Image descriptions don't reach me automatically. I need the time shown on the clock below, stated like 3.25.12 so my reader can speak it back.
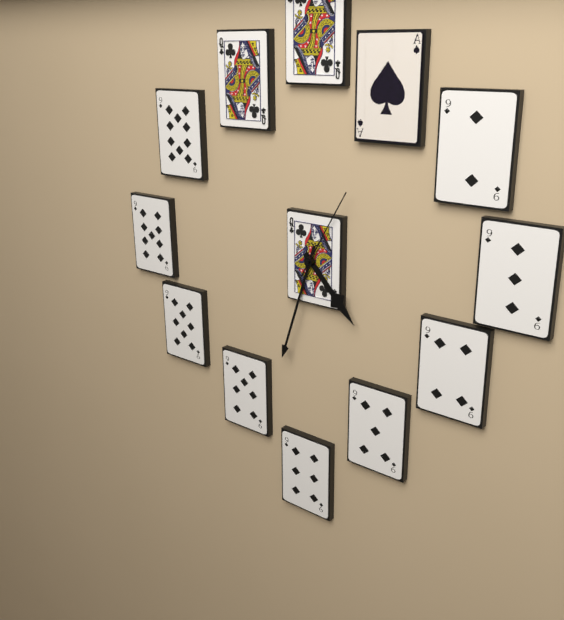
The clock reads 4.33.05
